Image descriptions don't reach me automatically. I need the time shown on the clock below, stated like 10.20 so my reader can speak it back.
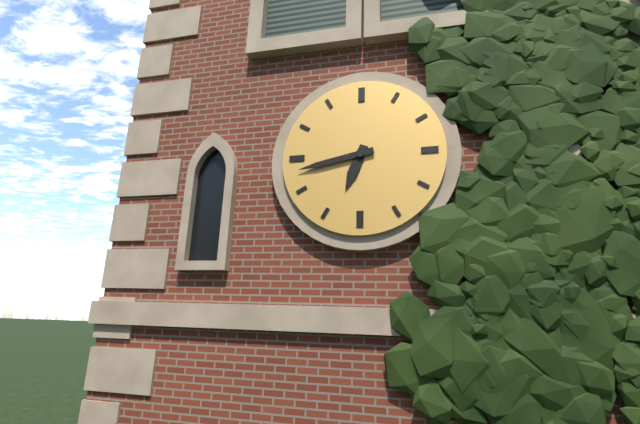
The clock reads 6.43
